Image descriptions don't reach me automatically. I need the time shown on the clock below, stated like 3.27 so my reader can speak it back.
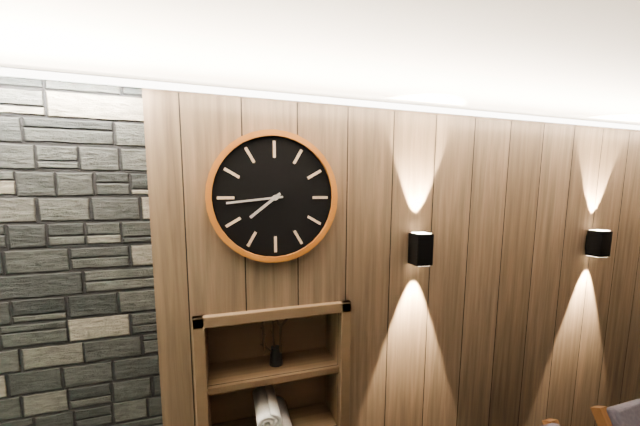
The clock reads 7.44
